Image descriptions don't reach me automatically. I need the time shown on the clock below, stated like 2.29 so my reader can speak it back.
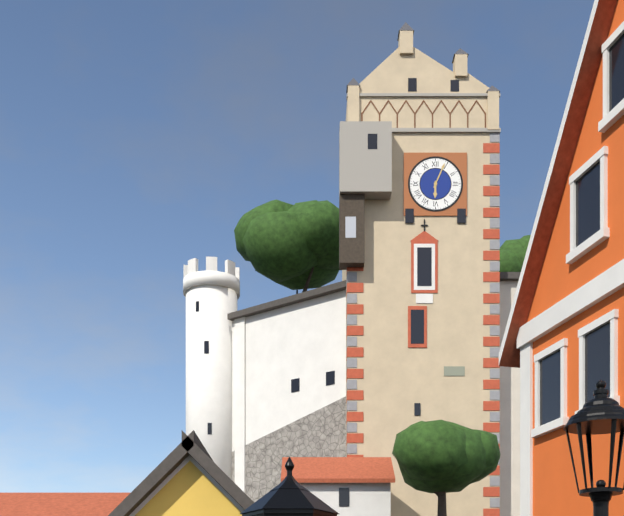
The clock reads 6.04
